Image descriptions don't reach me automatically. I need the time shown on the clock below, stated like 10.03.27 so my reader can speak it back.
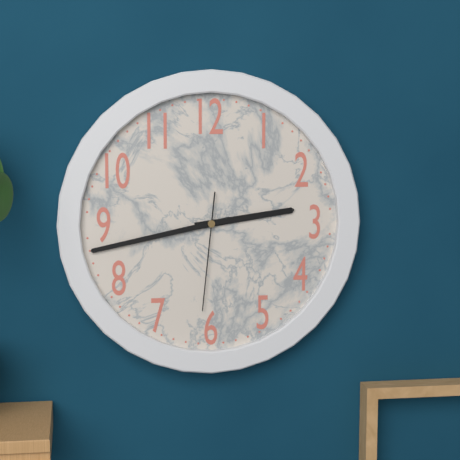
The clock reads 2.43.31
